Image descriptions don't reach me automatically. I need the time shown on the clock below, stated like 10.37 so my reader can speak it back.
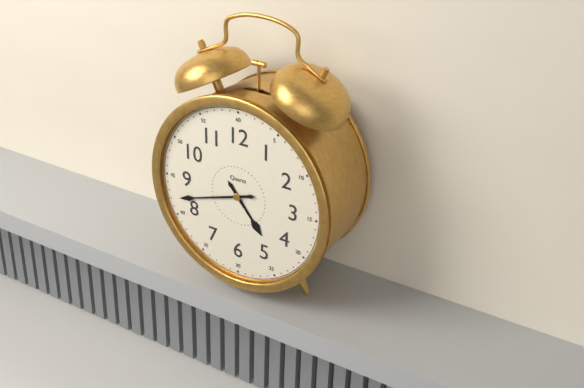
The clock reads 4.42
